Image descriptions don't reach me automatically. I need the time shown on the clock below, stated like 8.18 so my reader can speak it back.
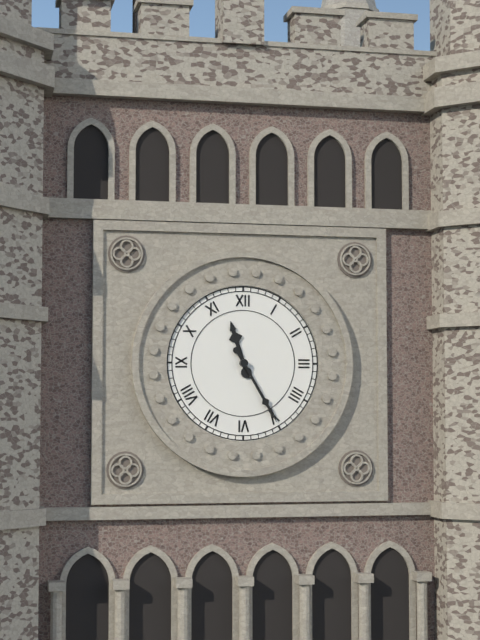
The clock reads 11.25
